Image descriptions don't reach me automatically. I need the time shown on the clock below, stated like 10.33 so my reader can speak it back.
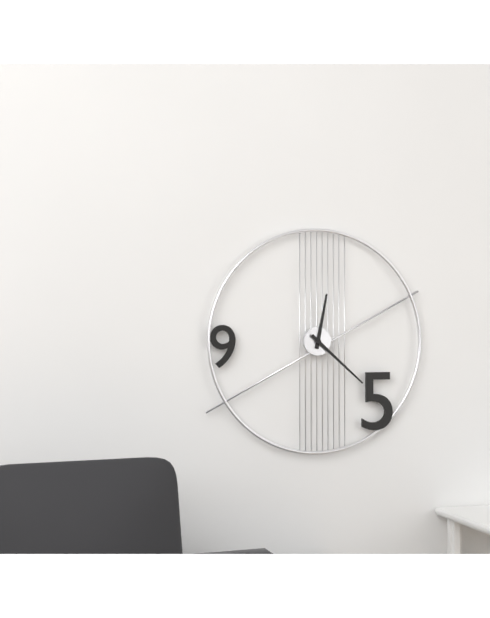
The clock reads 12.22
